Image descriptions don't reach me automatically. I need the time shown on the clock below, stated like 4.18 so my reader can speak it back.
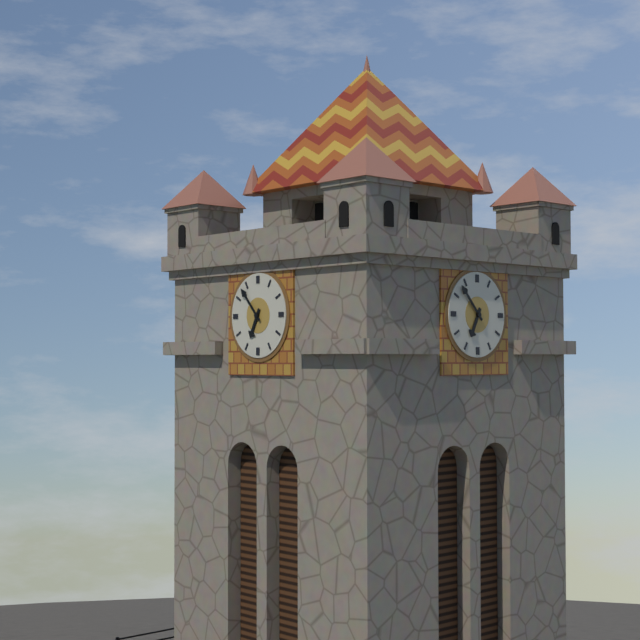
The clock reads 6.53
